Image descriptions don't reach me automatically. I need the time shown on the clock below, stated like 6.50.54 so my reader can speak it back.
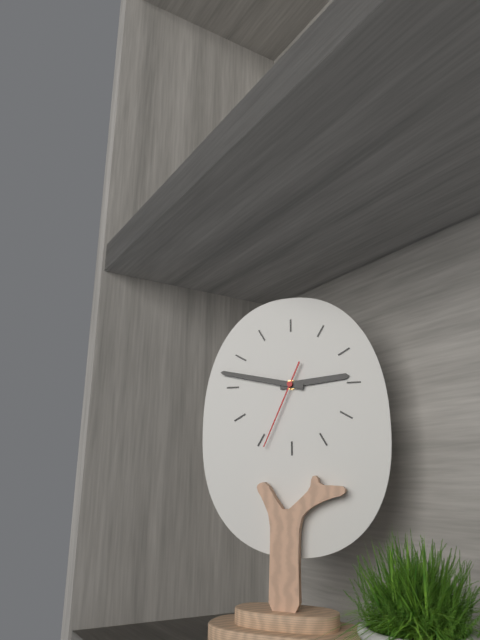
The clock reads 2.47.34
